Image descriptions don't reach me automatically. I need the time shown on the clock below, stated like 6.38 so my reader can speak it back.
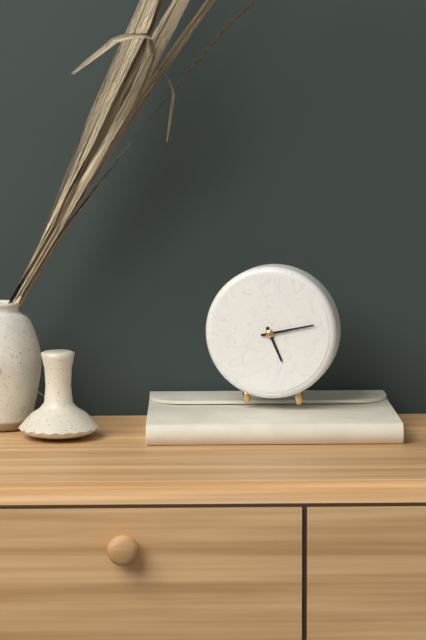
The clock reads 5.13
